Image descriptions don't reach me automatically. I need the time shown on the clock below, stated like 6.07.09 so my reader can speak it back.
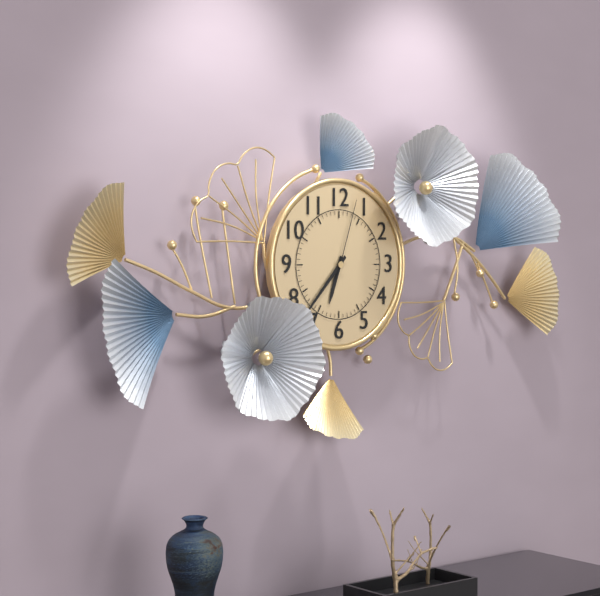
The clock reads 6.37.03
